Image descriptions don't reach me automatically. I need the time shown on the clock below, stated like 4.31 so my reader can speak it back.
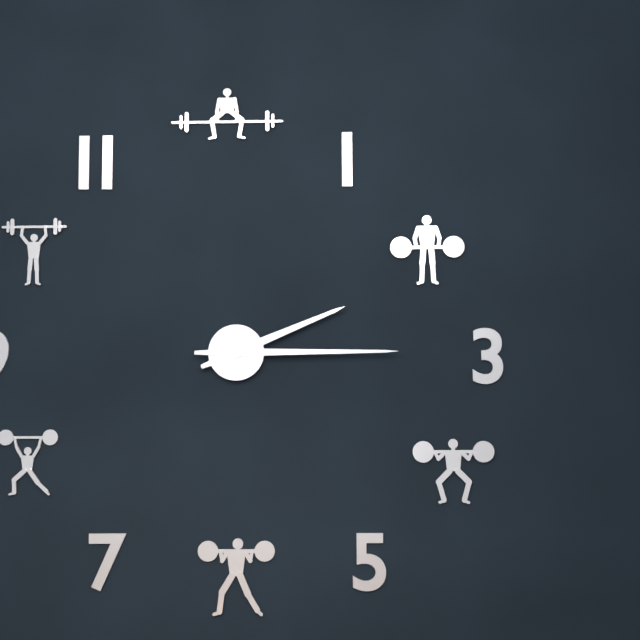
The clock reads 2.15
